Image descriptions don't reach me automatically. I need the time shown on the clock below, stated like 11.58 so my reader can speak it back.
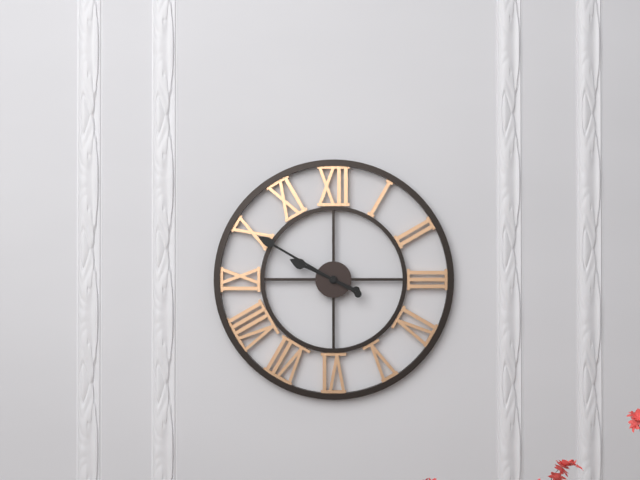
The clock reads 9.50
